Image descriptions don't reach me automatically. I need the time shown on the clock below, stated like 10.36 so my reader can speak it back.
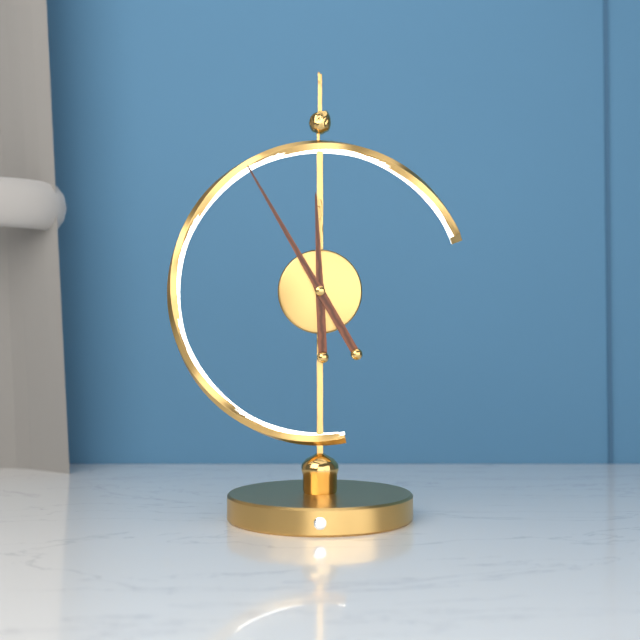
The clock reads 11.55
